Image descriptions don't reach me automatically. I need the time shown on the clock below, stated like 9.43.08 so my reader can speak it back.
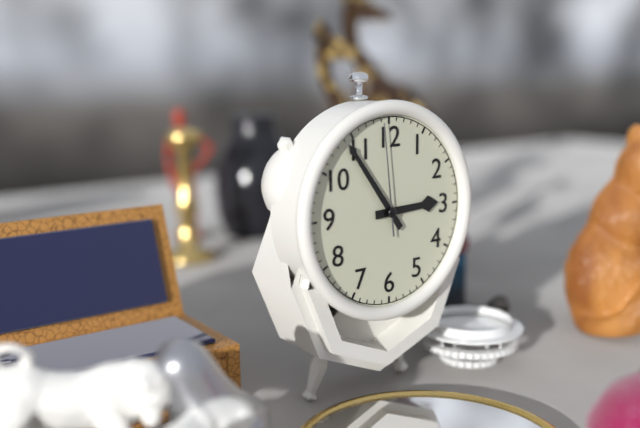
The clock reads 2.54.59
